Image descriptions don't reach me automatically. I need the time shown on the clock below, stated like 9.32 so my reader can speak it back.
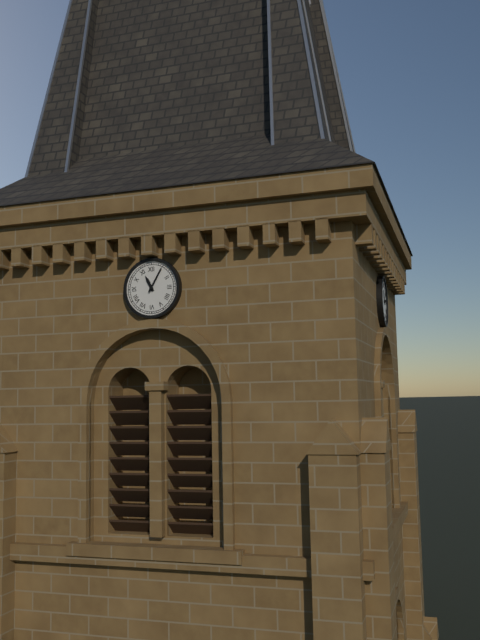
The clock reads 11.05
